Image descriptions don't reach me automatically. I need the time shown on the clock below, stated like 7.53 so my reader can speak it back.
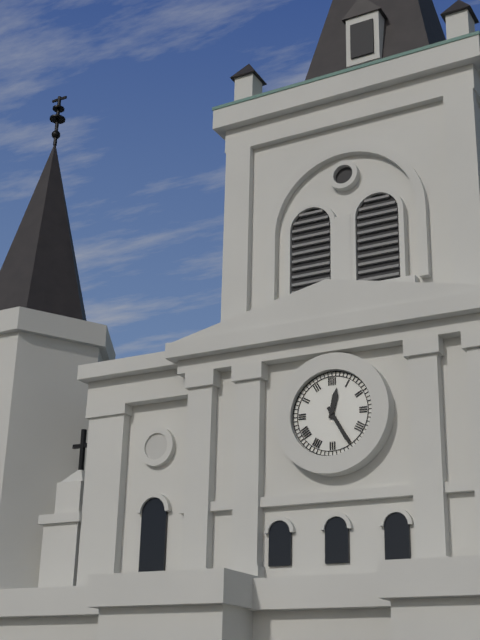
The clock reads 12.25
